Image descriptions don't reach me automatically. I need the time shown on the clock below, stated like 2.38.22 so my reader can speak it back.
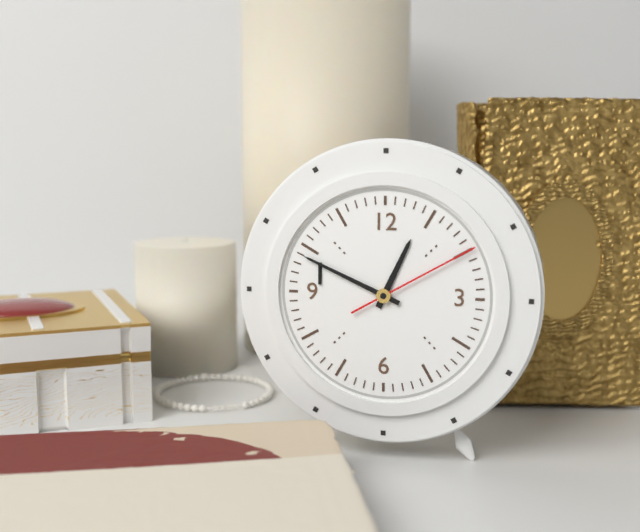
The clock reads 12.49.10
